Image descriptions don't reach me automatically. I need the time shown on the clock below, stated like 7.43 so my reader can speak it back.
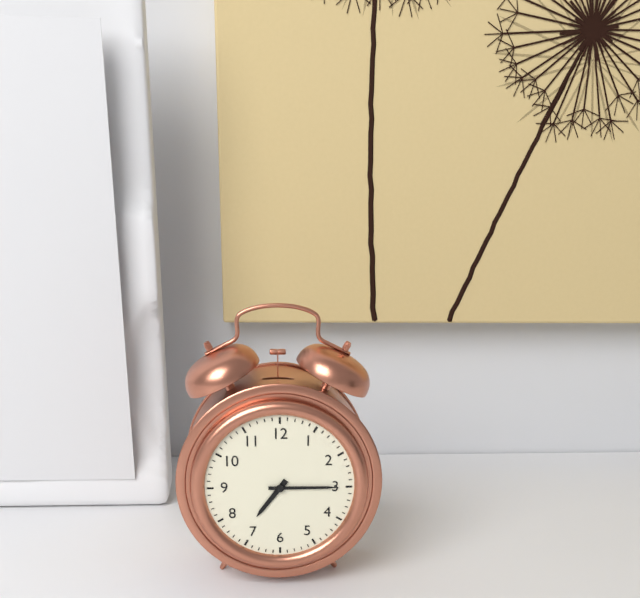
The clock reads 7.15
